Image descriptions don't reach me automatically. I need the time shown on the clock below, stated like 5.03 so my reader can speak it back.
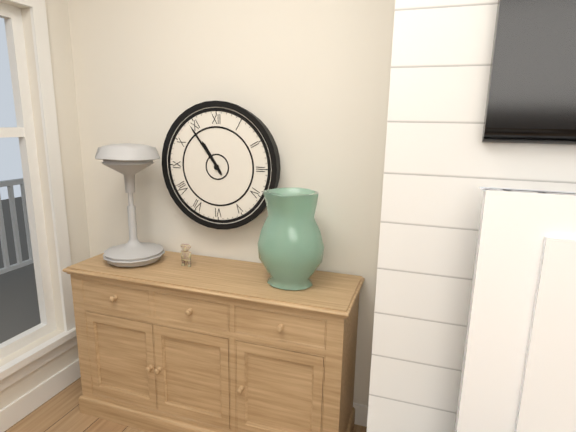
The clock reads 10.54
